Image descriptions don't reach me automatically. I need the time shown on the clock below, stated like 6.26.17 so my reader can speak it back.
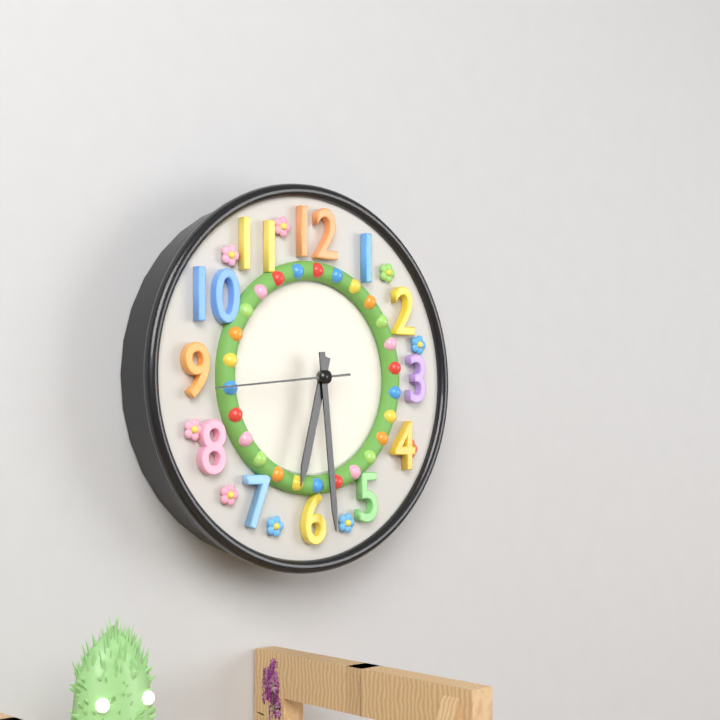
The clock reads 6.29.44
